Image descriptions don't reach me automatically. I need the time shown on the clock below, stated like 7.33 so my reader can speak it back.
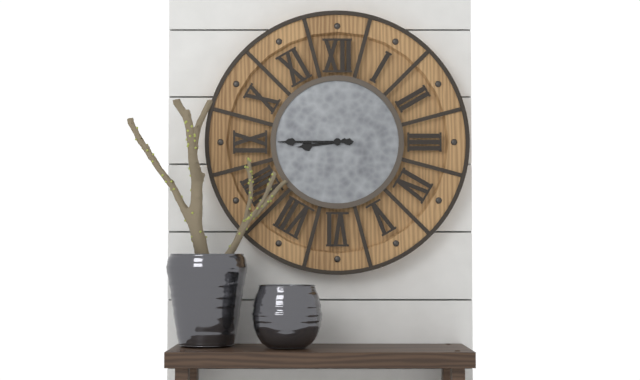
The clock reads 8.45
